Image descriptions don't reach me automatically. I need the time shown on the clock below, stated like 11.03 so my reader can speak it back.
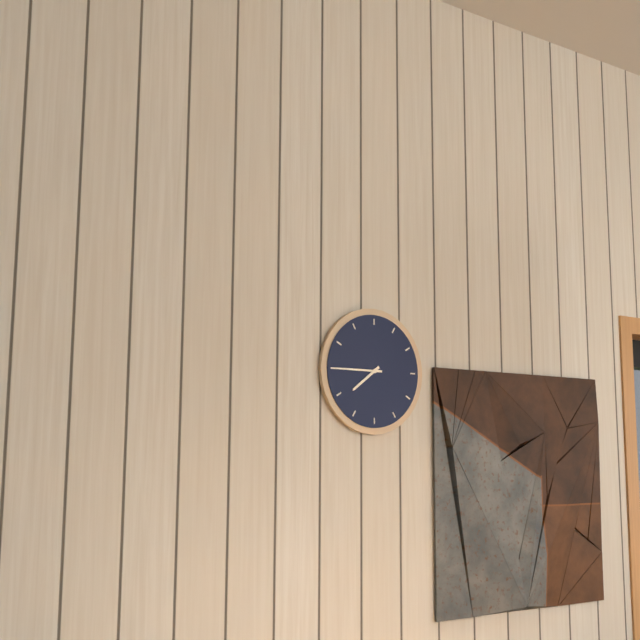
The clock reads 7.45
